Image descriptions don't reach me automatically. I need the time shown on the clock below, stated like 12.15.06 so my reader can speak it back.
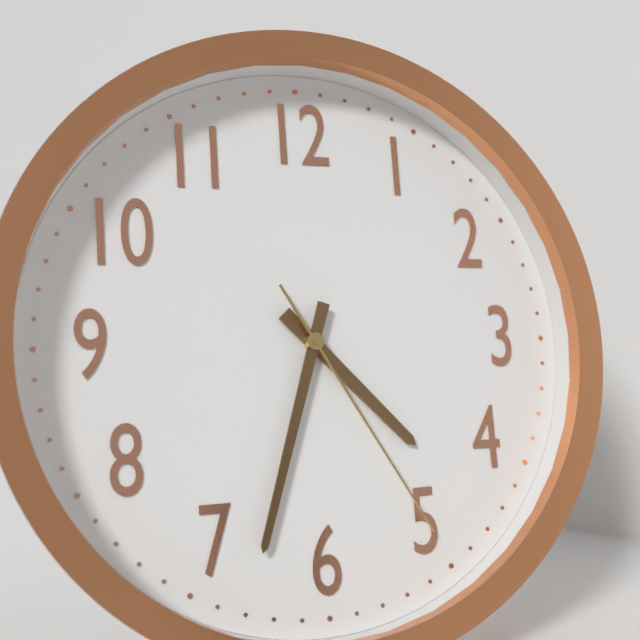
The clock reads 4.33.25
